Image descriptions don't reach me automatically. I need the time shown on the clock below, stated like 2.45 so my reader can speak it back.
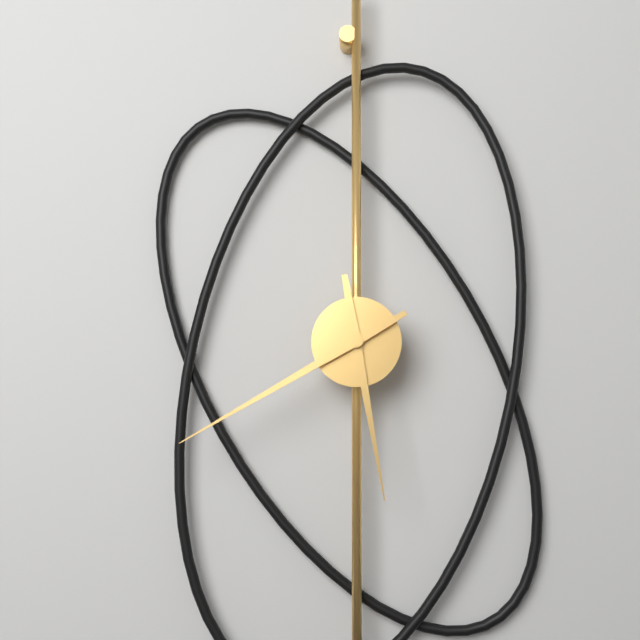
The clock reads 5.40
